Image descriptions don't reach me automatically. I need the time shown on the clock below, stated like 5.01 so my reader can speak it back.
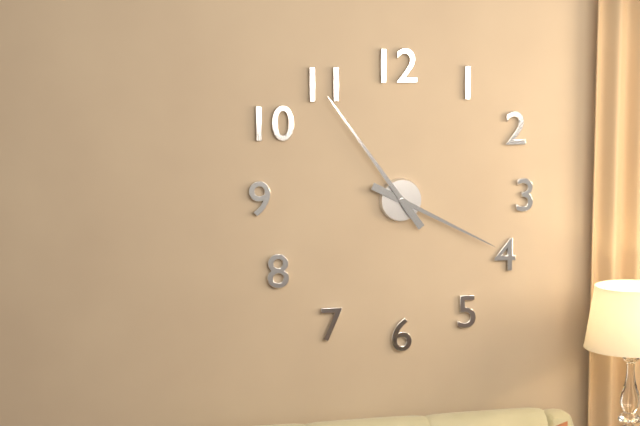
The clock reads 3.54
